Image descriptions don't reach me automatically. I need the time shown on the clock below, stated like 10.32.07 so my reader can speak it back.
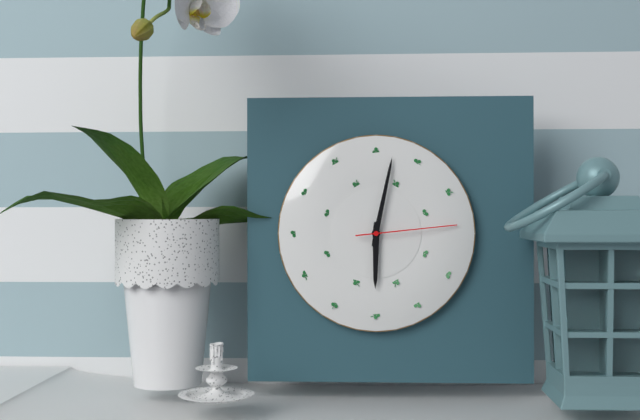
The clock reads 6.02.14
